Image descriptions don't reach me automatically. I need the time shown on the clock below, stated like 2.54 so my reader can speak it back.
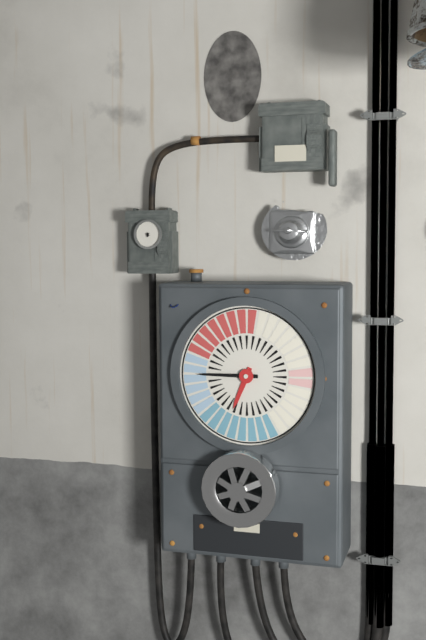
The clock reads 6.45
